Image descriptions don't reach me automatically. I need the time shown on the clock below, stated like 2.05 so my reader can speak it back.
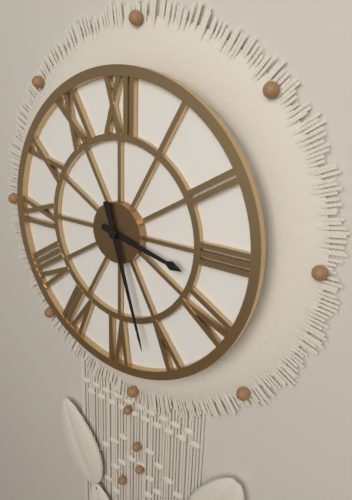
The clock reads 3.27
